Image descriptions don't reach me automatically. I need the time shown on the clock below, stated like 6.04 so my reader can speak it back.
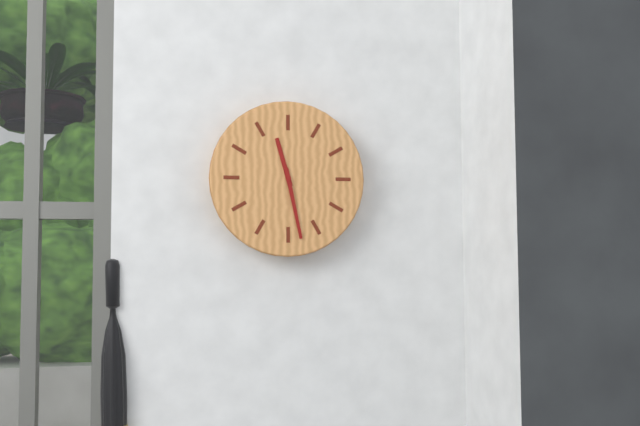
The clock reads 11.28
